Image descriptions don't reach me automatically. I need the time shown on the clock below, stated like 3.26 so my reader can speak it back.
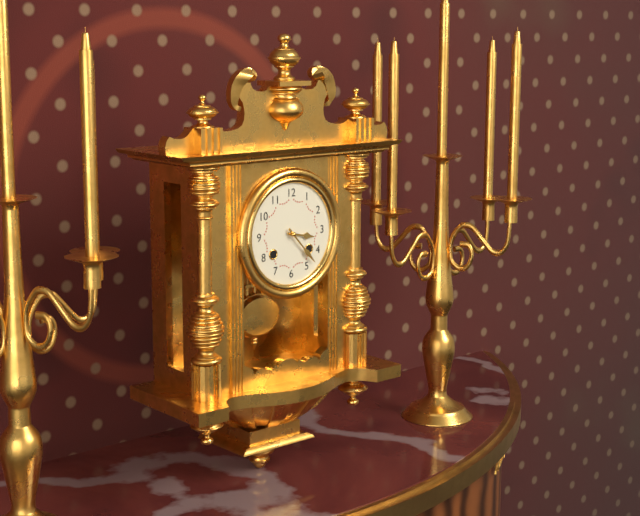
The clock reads 3.23
